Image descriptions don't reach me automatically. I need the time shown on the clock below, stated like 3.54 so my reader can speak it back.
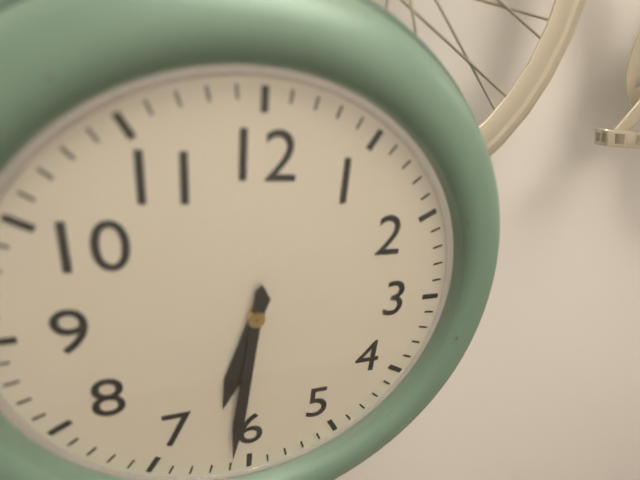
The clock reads 6.31
